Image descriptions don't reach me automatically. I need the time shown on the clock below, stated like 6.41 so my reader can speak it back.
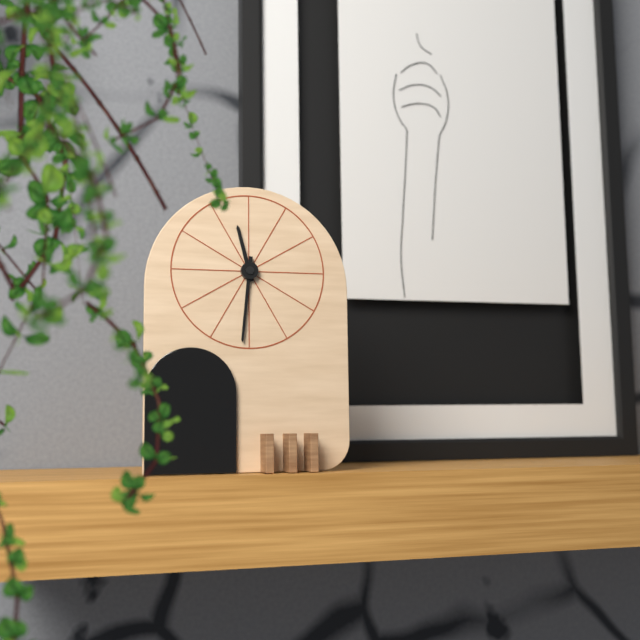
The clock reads 11.31
